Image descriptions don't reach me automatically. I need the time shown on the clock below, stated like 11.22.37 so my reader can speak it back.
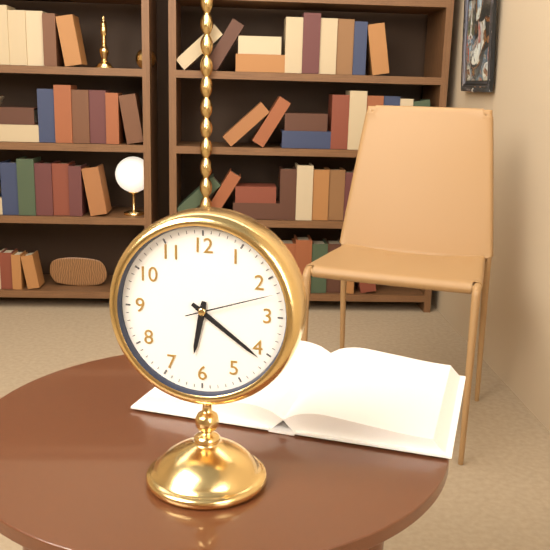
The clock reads 6.21.12
